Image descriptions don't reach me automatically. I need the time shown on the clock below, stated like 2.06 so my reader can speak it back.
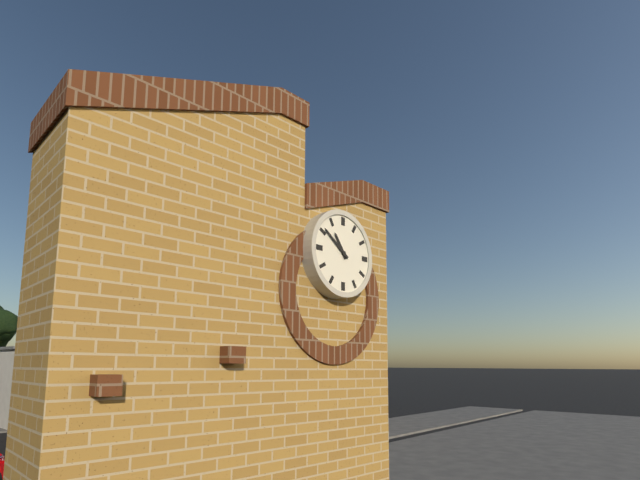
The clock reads 10.51
